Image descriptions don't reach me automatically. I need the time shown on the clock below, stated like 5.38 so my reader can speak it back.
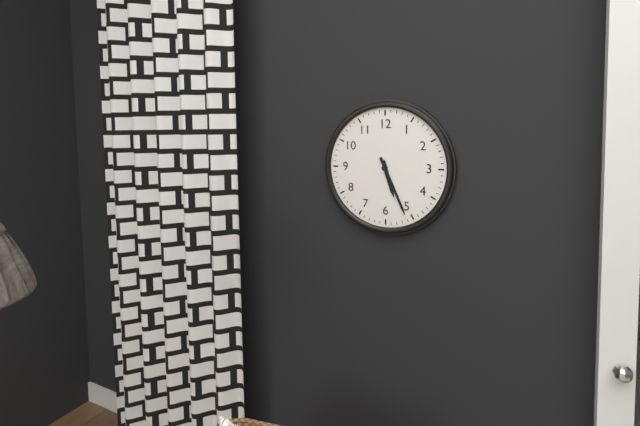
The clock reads 5.26
